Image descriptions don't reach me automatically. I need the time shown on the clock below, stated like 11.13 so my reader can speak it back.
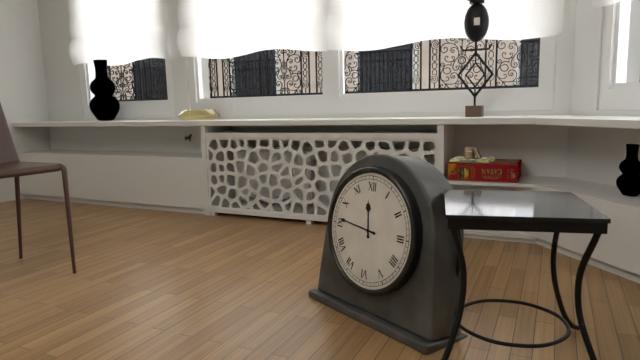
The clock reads 11.46
